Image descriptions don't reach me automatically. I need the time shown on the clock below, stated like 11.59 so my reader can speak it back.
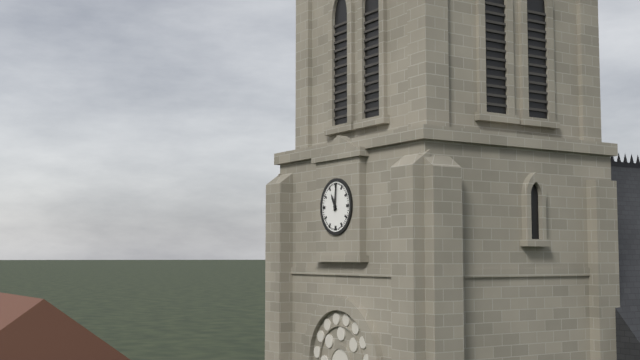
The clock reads 11.01
